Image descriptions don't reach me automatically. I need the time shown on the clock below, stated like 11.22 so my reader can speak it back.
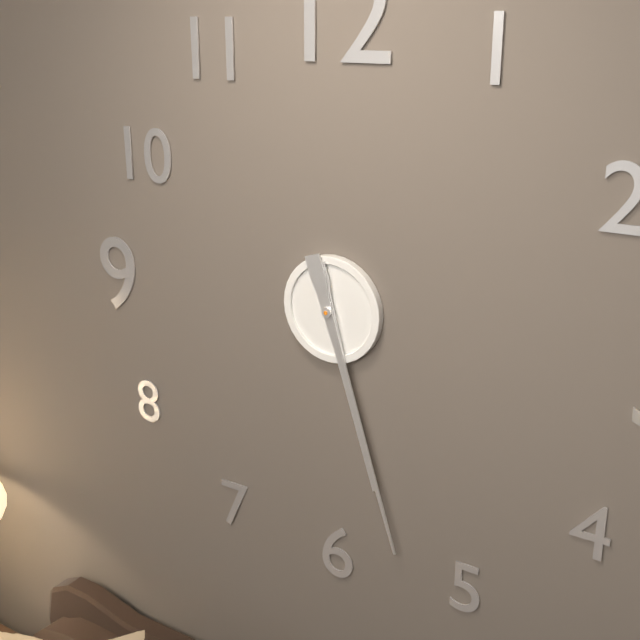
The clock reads 5.27
